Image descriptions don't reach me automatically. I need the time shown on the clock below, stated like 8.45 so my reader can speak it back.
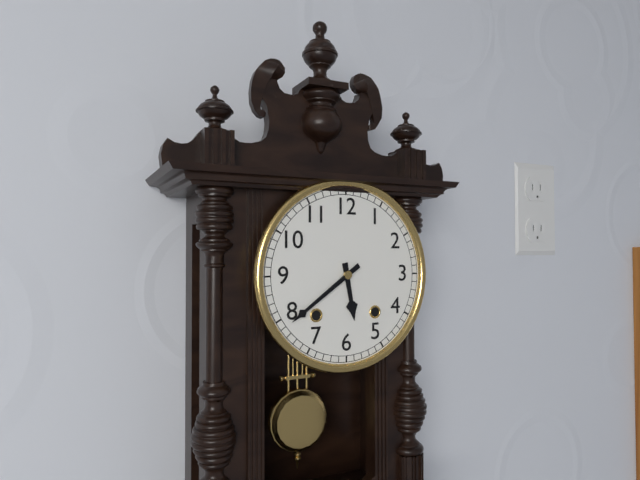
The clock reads 5.39
